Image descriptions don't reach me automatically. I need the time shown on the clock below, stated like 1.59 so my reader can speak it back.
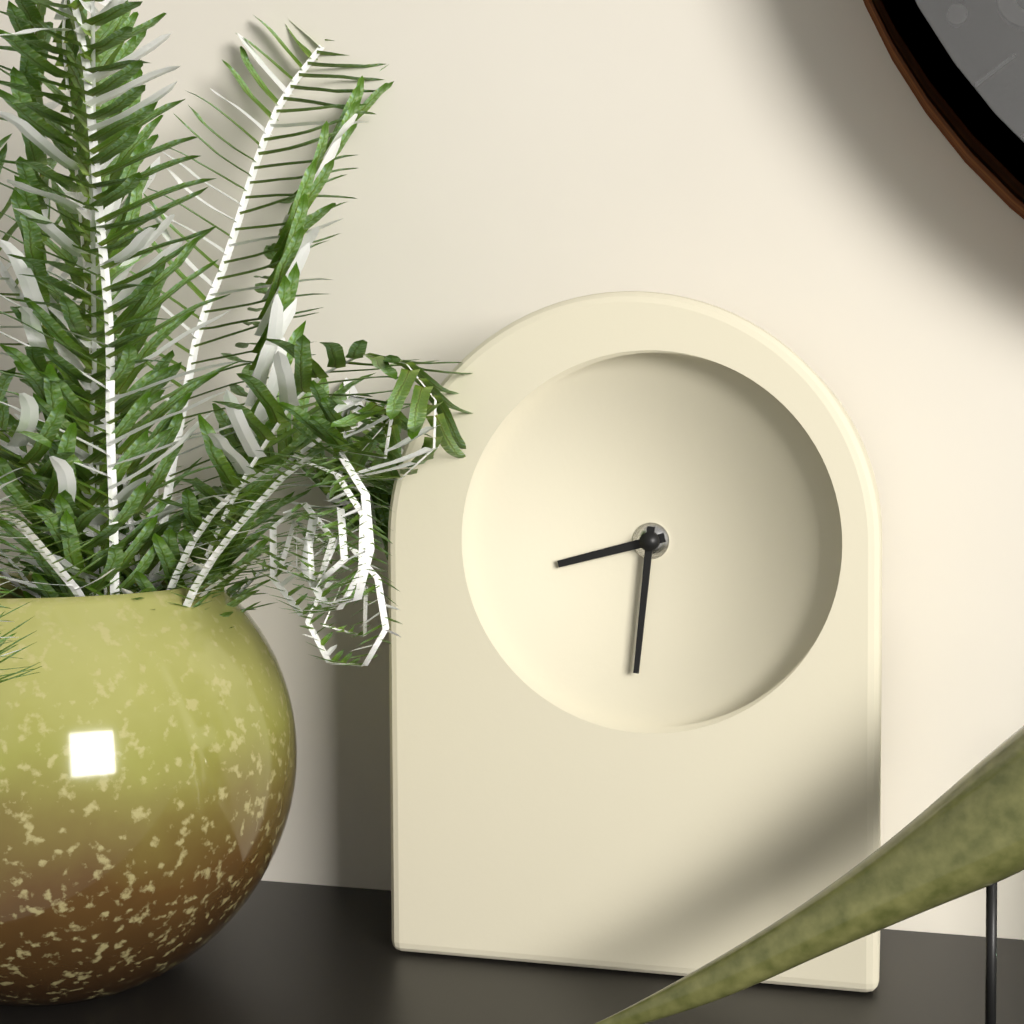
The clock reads 8.31
